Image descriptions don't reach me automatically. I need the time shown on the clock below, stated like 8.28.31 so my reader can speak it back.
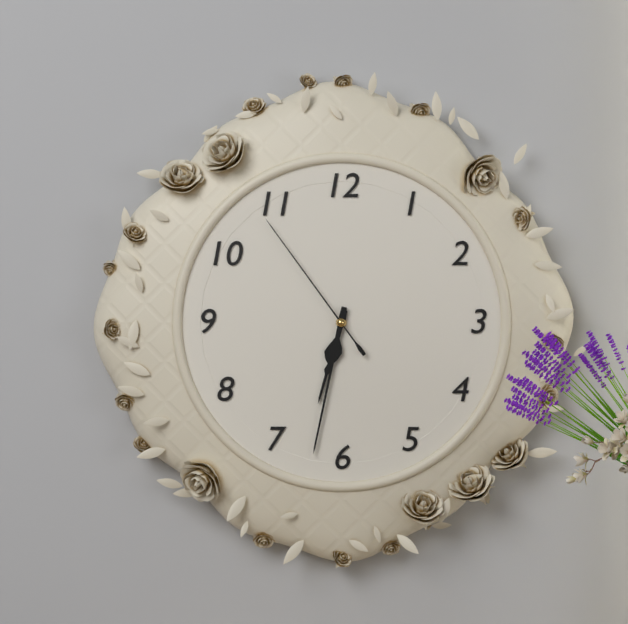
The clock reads 6.32.54
